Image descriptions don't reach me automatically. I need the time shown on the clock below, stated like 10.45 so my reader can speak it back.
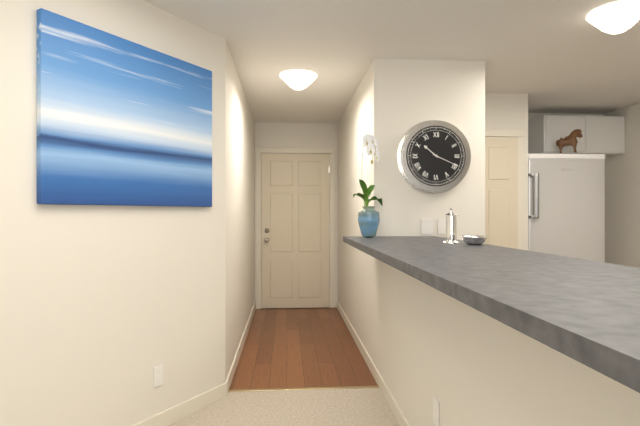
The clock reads 10.19
